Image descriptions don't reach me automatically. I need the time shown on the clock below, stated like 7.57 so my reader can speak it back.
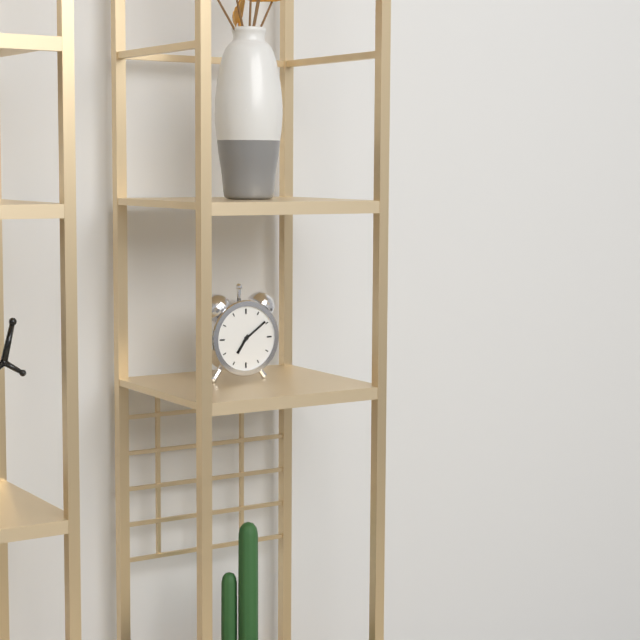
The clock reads 7.09
